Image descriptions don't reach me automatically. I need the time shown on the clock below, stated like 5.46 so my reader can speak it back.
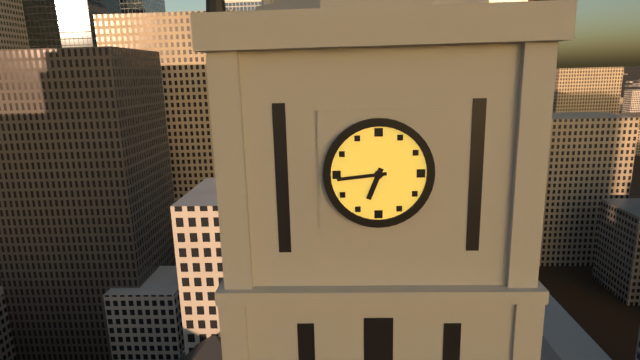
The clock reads 6.44
